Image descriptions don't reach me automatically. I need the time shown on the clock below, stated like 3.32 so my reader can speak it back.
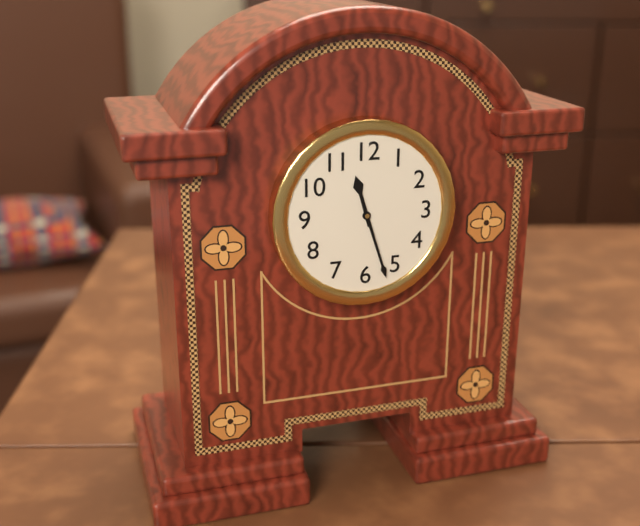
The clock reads 11.27
